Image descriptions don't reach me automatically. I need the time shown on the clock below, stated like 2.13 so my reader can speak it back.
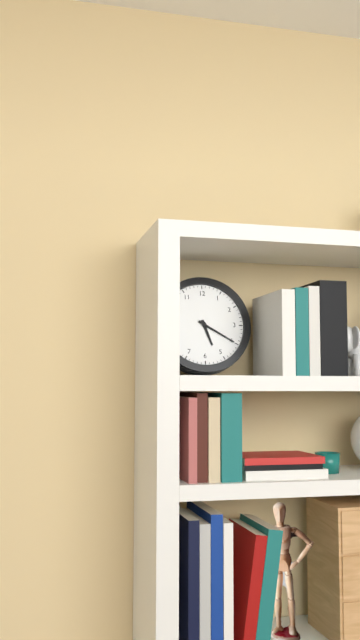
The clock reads 5.20
